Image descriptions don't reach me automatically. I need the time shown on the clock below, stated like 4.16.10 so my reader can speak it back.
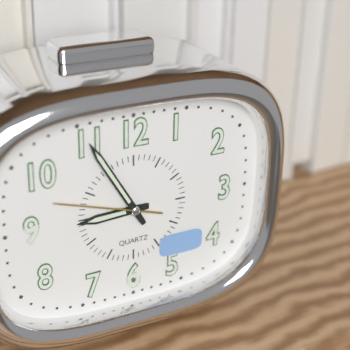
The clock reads 8.55.48
